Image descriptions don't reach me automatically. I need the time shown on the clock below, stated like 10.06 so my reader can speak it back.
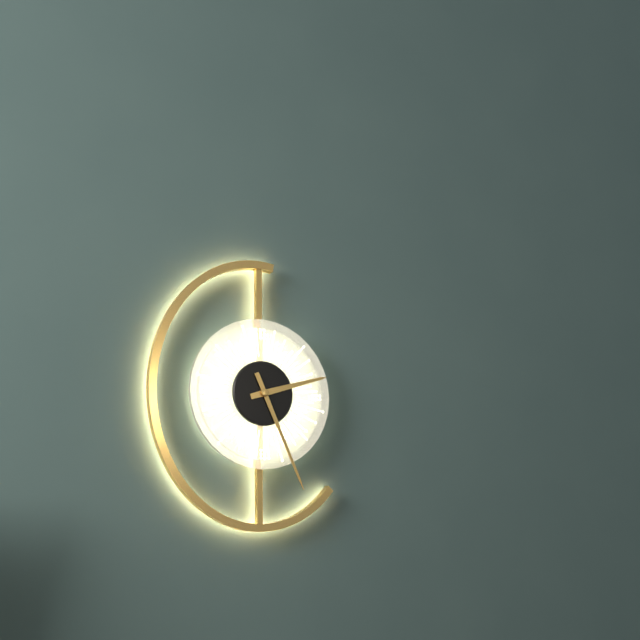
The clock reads 2.26
